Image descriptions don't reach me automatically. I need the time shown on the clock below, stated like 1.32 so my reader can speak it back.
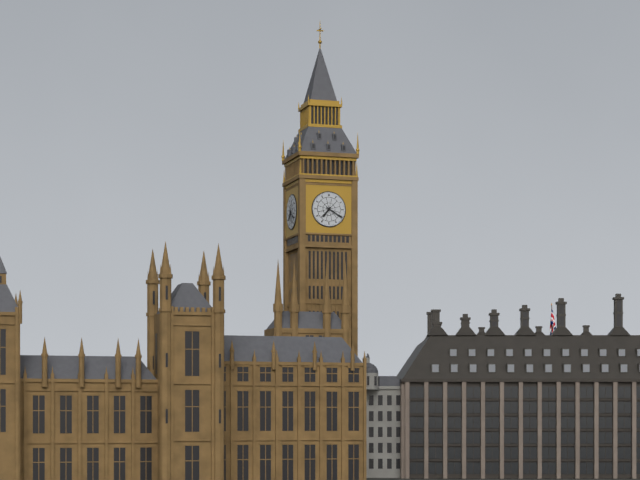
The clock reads 7.20
